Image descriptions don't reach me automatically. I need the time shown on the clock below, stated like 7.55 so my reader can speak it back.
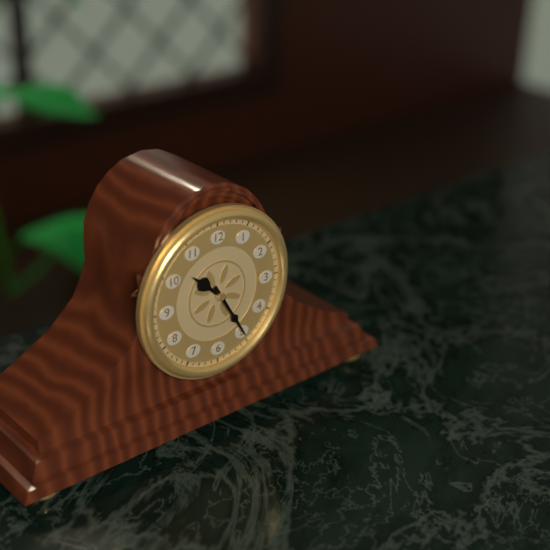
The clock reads 10.25
